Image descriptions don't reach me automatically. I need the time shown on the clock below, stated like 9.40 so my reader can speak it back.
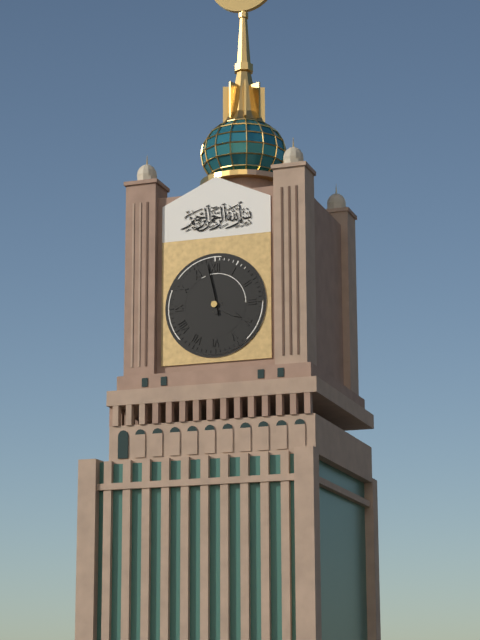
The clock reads 3.58
